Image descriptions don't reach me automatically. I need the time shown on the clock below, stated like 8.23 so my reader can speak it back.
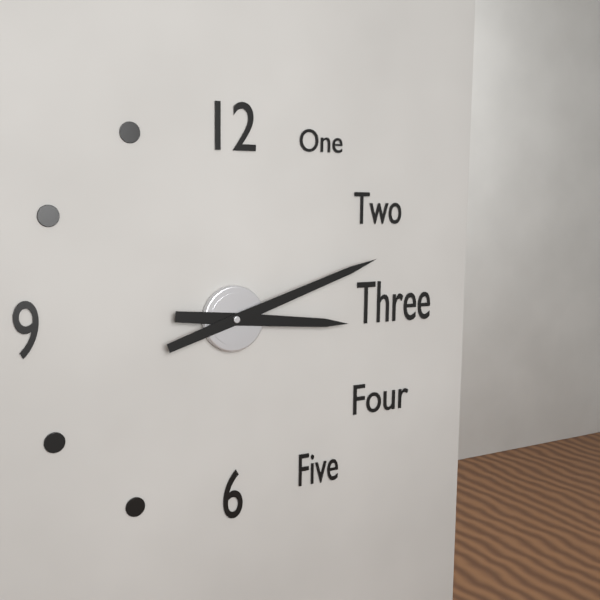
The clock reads 3.12
